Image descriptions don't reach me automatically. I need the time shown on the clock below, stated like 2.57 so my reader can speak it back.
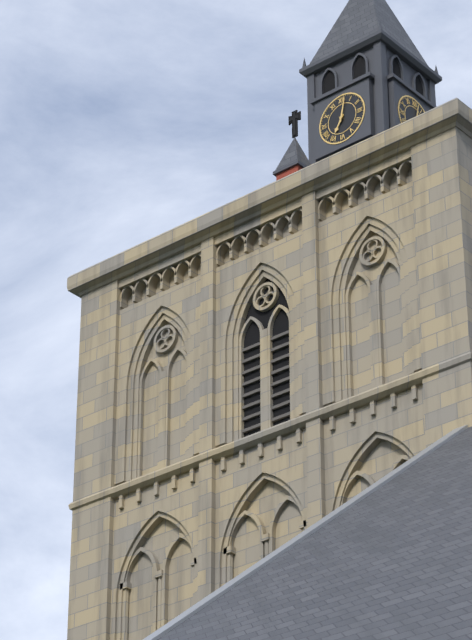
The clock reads 7.02
